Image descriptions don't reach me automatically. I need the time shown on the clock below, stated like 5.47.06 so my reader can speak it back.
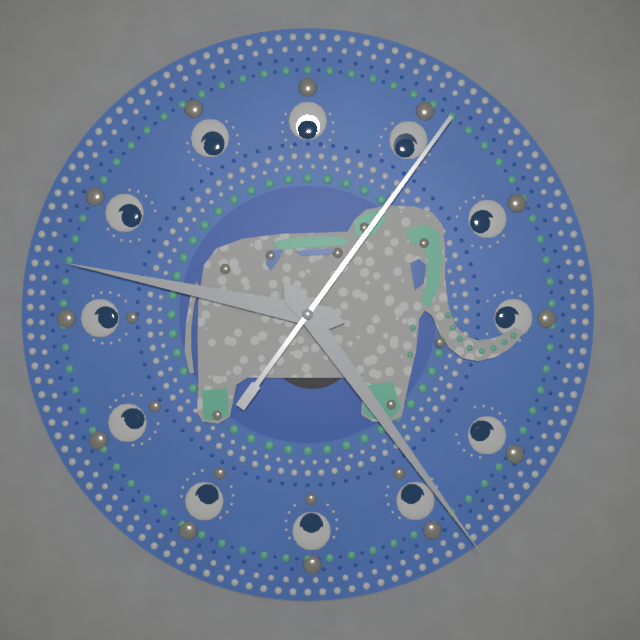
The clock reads 9.24.06
